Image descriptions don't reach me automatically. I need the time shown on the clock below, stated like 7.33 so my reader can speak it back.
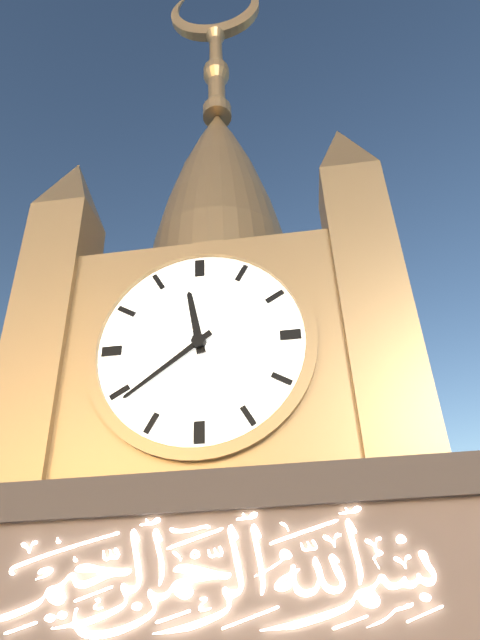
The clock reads 11.39
